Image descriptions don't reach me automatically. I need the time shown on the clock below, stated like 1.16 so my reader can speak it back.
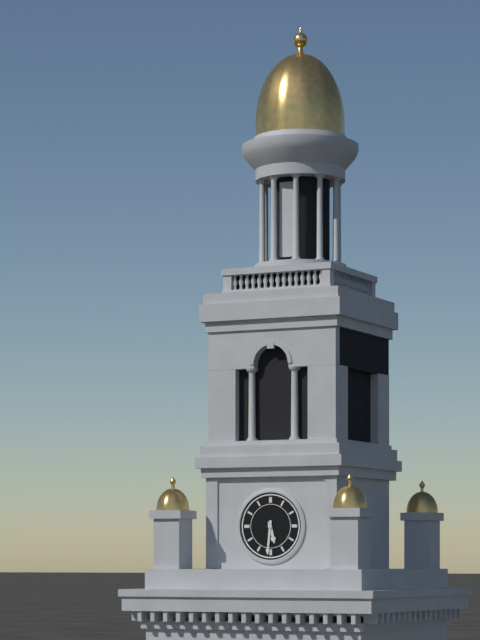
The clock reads 5.31
